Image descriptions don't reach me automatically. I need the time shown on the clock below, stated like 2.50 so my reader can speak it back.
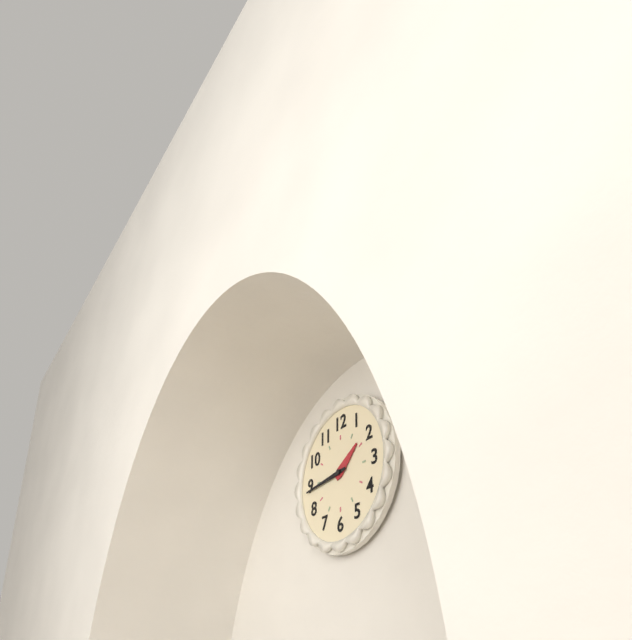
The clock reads 1.44
